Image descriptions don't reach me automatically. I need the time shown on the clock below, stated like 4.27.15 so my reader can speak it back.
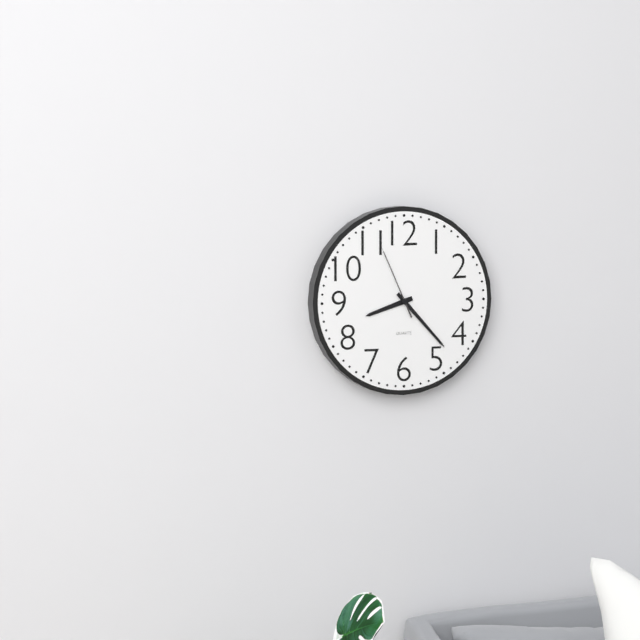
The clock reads 8.23.56
